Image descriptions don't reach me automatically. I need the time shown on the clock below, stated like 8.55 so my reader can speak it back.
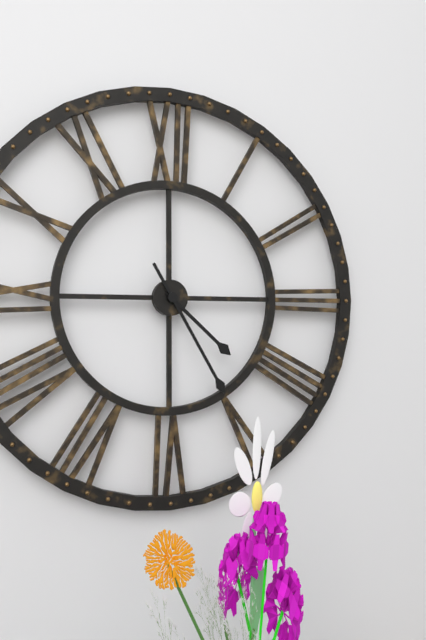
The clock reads 4.25
